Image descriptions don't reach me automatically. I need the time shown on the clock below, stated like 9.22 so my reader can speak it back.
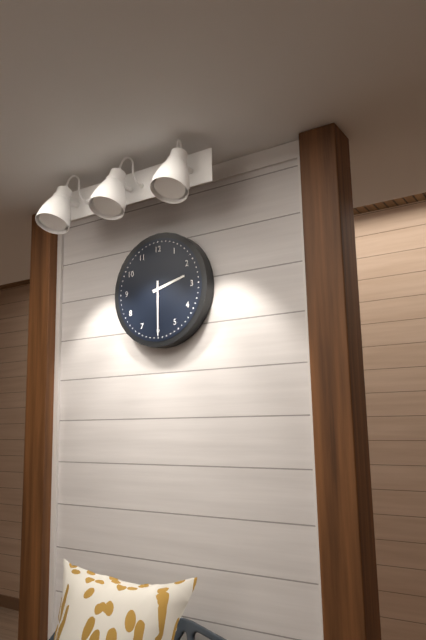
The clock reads 2.30
